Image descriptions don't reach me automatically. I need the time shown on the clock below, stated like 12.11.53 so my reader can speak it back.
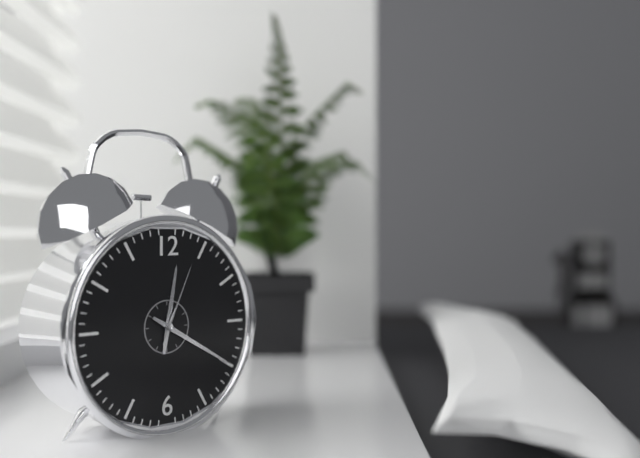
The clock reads 12.20.04
